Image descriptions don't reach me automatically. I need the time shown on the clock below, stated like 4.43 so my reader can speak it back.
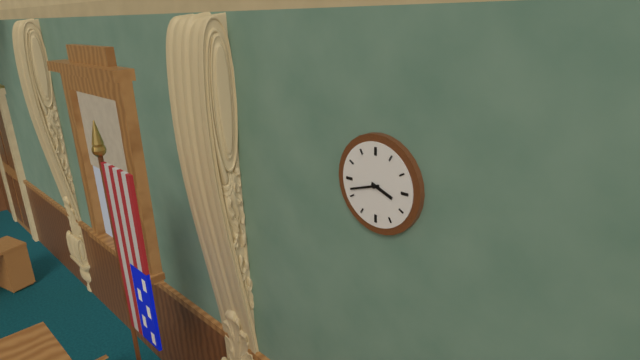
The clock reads 3.42
